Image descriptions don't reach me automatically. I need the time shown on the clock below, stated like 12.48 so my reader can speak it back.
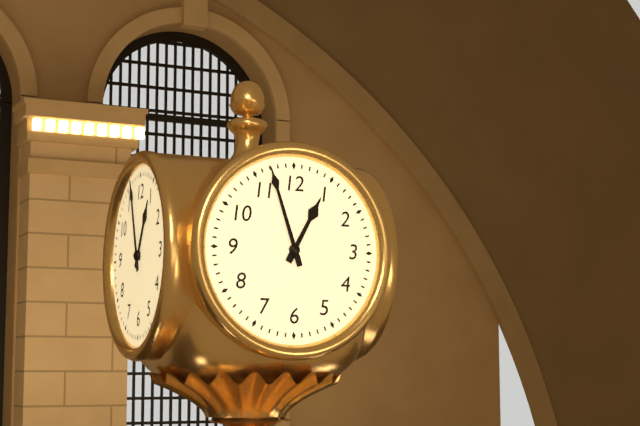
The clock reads 12.57
